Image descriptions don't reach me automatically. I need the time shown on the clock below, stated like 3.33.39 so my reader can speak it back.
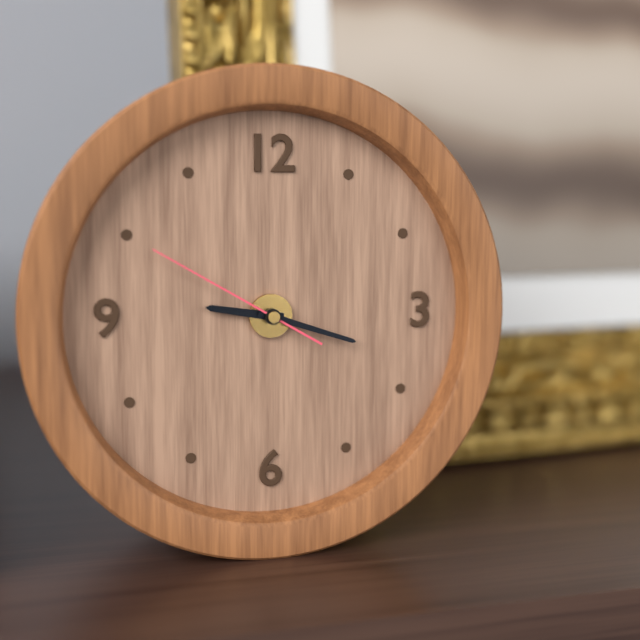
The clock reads 9.18.50
